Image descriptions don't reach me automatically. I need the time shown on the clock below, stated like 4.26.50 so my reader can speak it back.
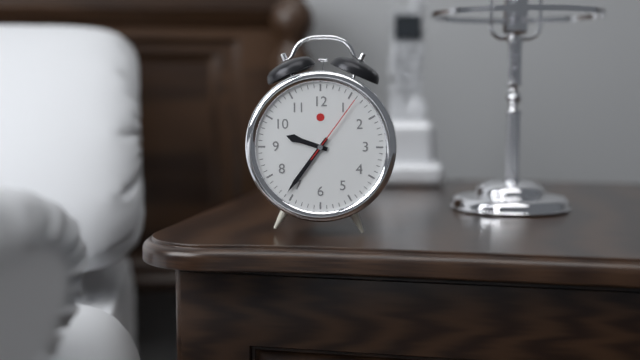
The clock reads 9.36.06
